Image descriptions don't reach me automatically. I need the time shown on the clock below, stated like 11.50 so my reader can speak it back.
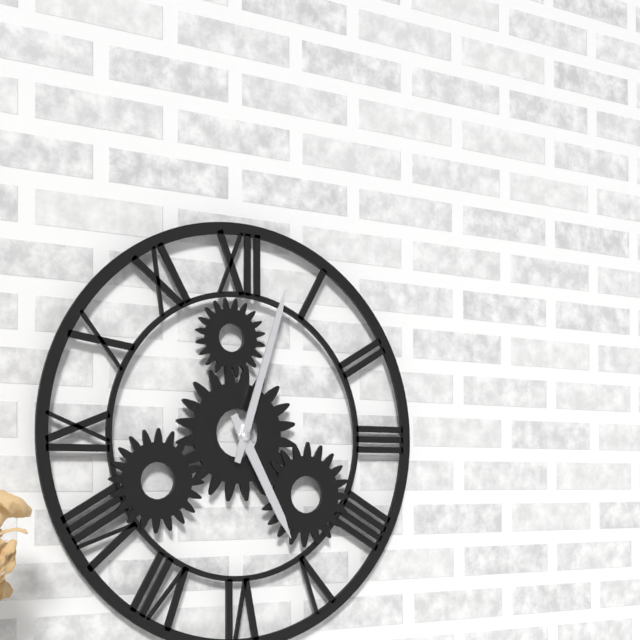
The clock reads 5.03
